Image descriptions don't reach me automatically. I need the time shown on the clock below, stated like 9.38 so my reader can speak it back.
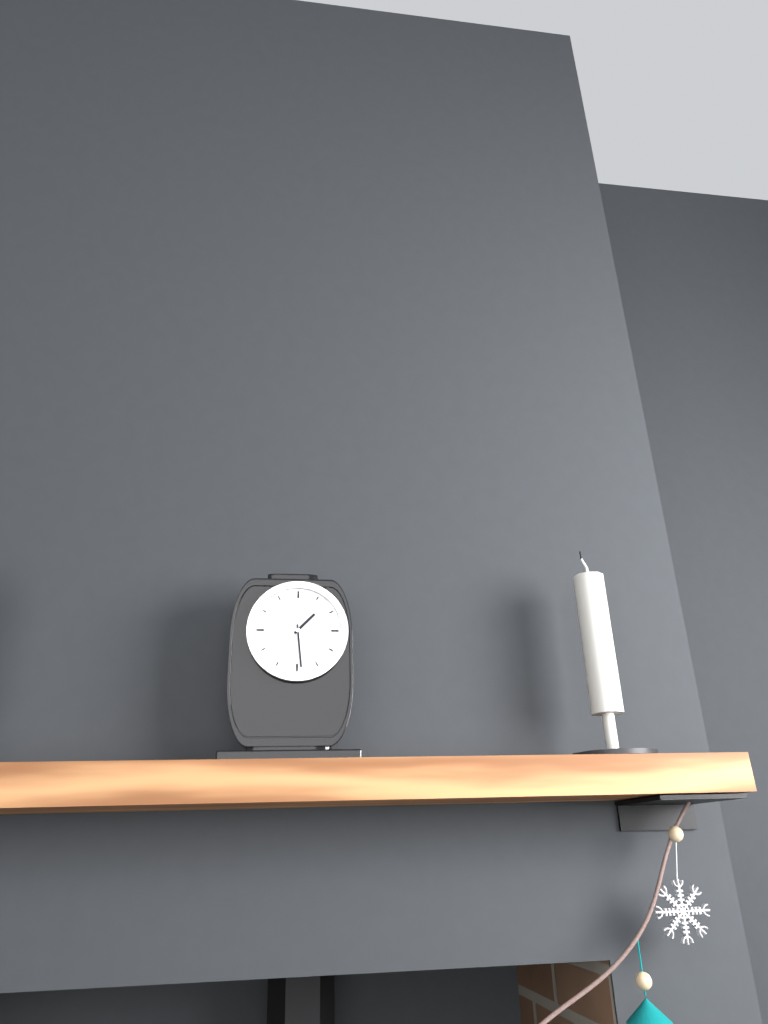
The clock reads 1.29
